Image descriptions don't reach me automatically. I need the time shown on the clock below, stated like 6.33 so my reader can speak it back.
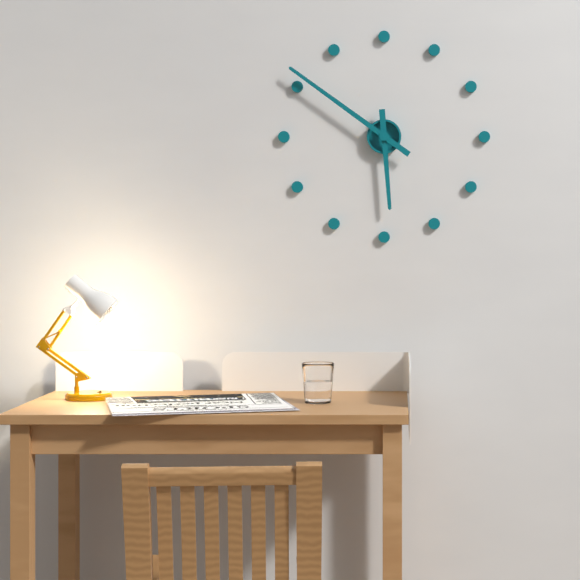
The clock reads 5.51
